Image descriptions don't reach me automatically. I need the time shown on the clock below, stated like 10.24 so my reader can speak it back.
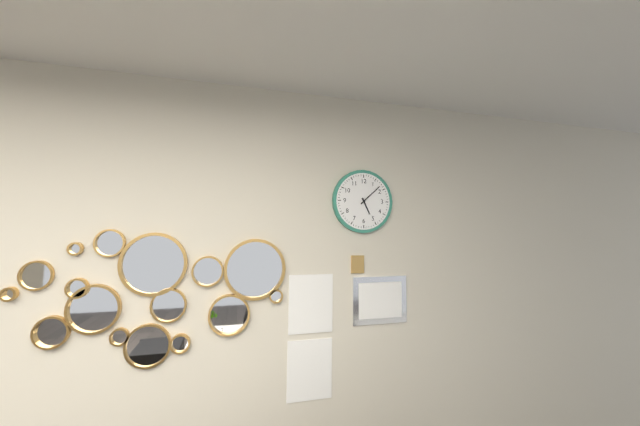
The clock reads 5.08
